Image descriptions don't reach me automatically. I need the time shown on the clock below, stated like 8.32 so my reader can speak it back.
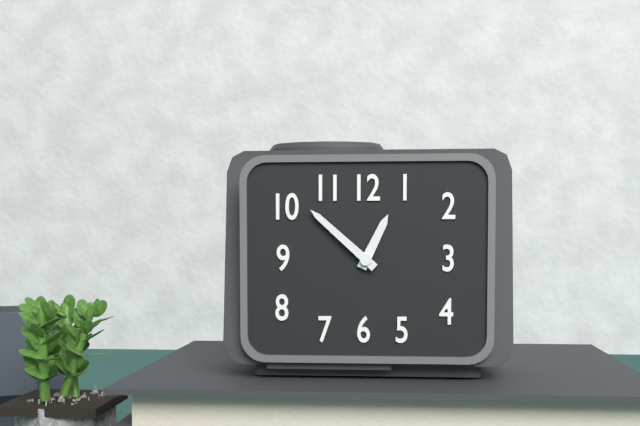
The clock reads 12.52
